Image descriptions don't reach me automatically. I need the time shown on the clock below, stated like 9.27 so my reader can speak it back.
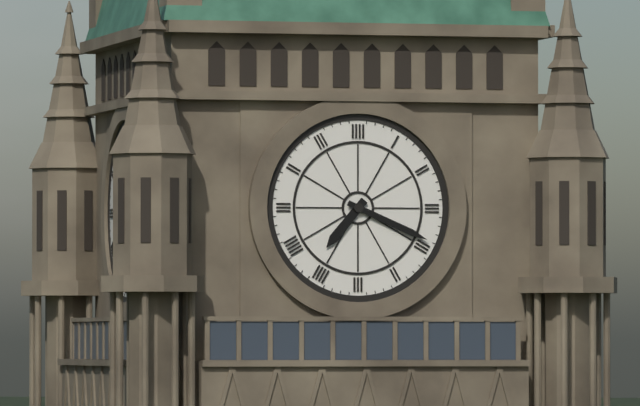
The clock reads 7.19
